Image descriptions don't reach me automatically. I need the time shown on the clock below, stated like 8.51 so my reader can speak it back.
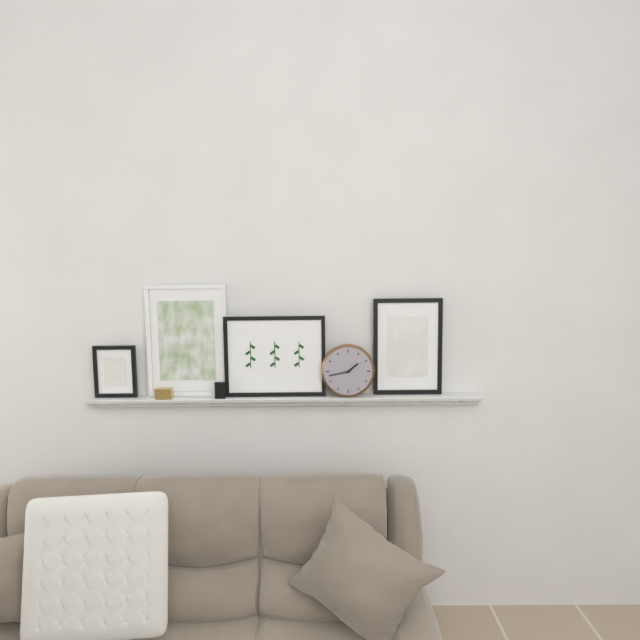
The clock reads 1.43
